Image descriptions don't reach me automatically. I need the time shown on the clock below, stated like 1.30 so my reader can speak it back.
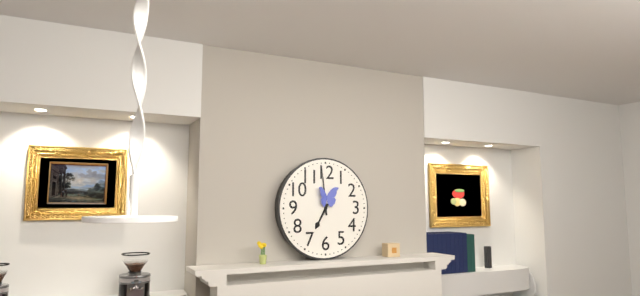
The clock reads 6.59
